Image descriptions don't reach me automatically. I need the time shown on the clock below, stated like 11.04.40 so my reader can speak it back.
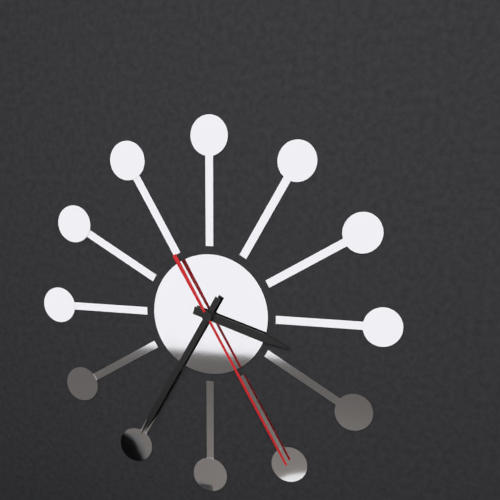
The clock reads 3.35.25
